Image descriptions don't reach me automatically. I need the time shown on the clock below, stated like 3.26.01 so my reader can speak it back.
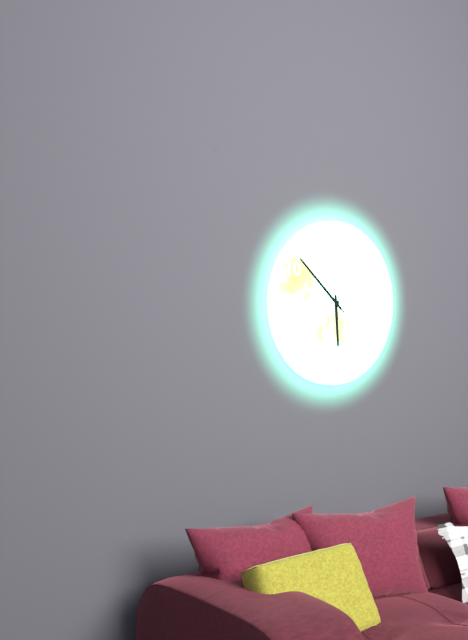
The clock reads 5.52.52
